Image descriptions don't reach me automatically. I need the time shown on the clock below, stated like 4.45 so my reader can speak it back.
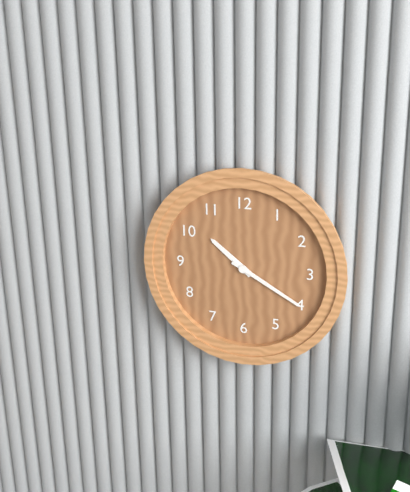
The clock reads 10.20
